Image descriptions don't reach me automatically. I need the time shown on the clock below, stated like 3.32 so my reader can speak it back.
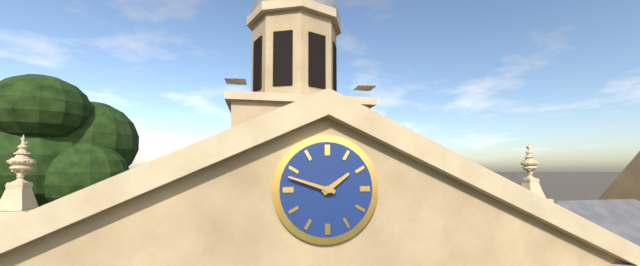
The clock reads 1.48
